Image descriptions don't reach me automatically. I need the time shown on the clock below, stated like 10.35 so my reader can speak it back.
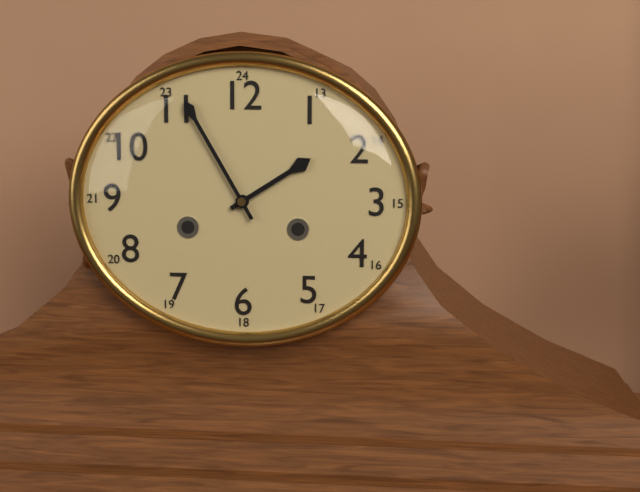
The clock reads 1.55
